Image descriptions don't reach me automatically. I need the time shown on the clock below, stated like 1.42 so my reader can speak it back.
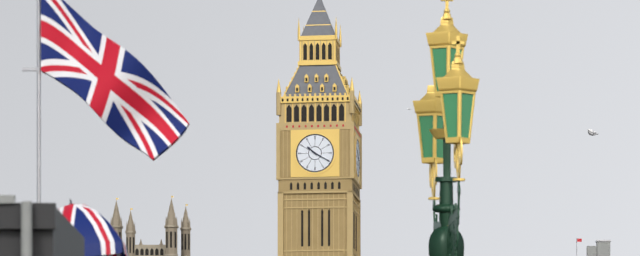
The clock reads 10.20
